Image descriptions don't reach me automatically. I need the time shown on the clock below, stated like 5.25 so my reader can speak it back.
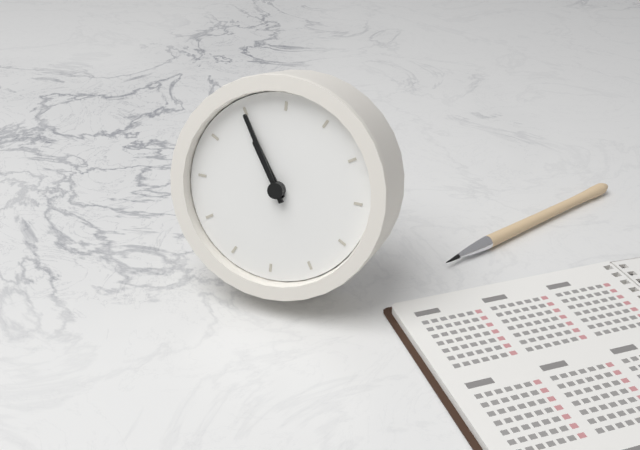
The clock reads 10.55
